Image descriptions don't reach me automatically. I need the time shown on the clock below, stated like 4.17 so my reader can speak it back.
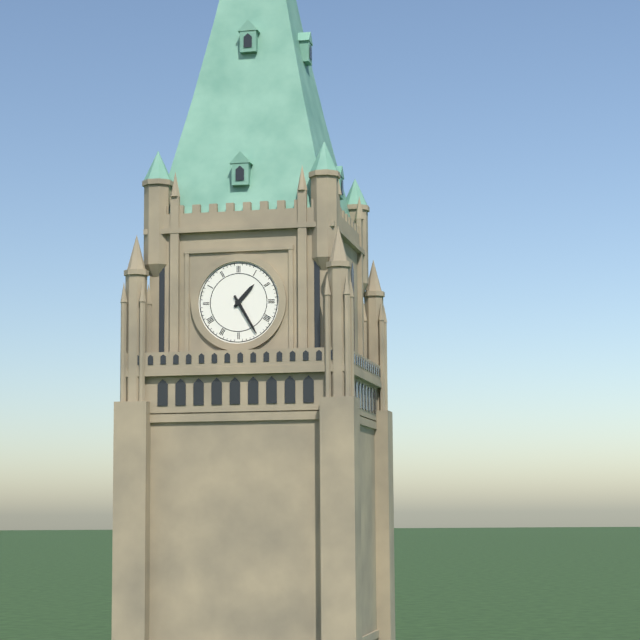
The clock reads 1.25
